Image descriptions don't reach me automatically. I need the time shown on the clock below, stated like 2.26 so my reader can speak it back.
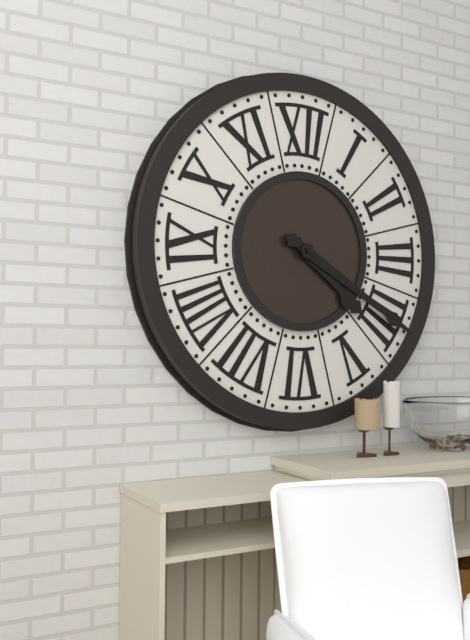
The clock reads 4.20
